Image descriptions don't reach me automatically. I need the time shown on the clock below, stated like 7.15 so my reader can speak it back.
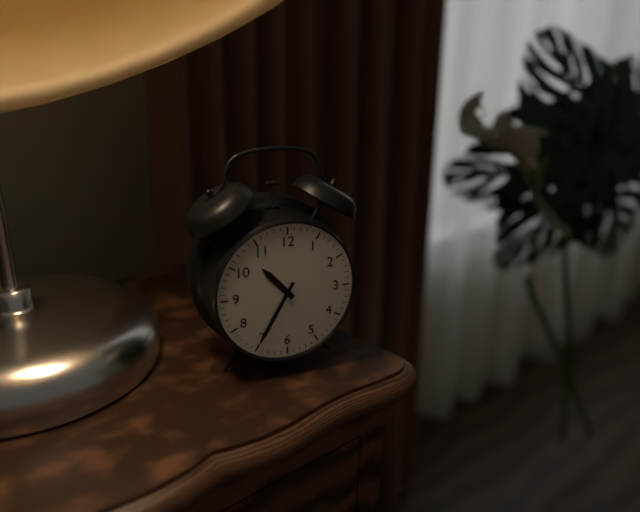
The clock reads 10.35
